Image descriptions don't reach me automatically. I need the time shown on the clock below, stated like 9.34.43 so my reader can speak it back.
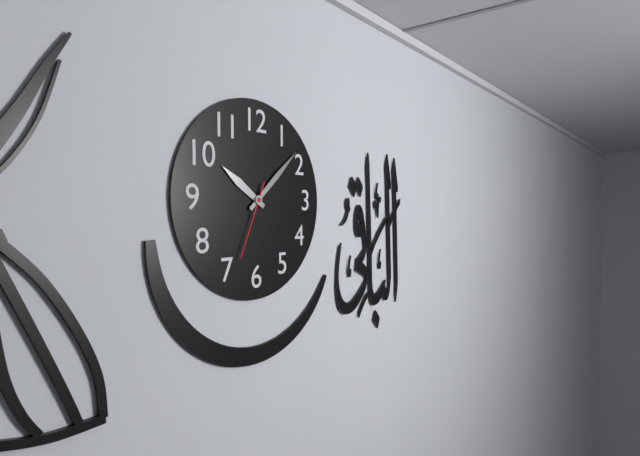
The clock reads 10.08.34
